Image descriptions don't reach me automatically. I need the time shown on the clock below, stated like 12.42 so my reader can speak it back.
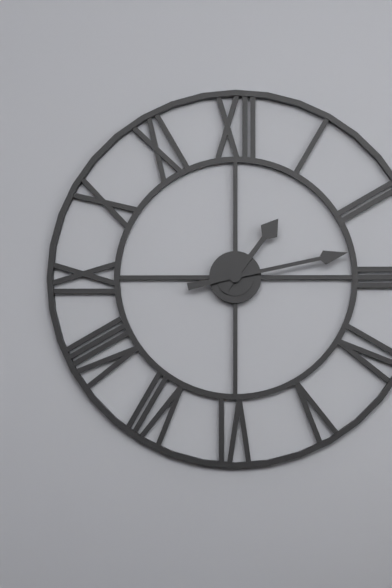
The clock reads 1.13
